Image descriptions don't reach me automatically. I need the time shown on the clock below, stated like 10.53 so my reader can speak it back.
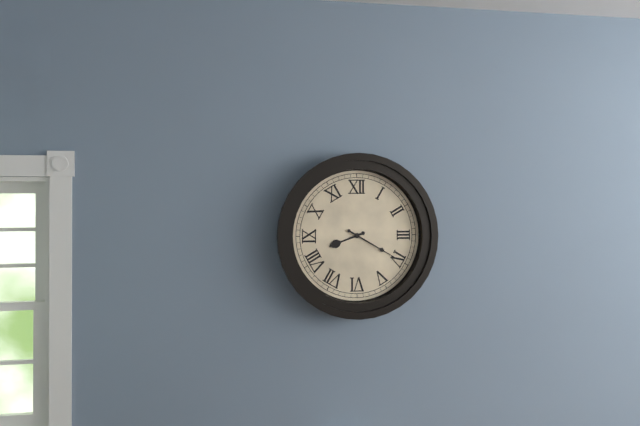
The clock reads 8.20
